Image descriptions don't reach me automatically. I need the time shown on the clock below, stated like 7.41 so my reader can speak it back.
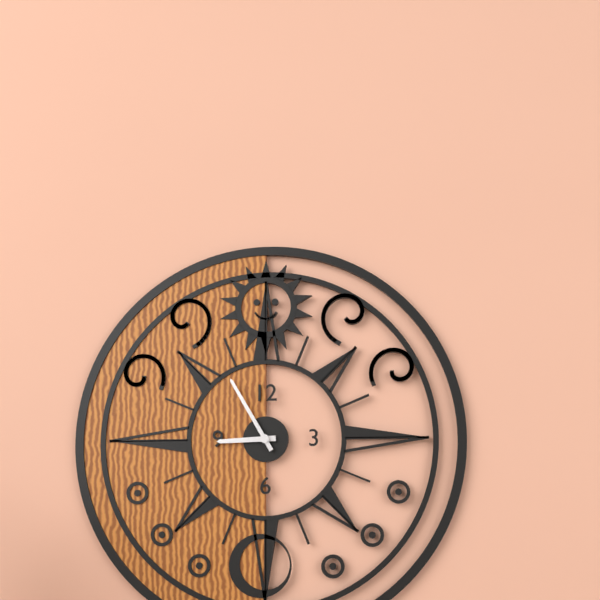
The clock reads 8.55
